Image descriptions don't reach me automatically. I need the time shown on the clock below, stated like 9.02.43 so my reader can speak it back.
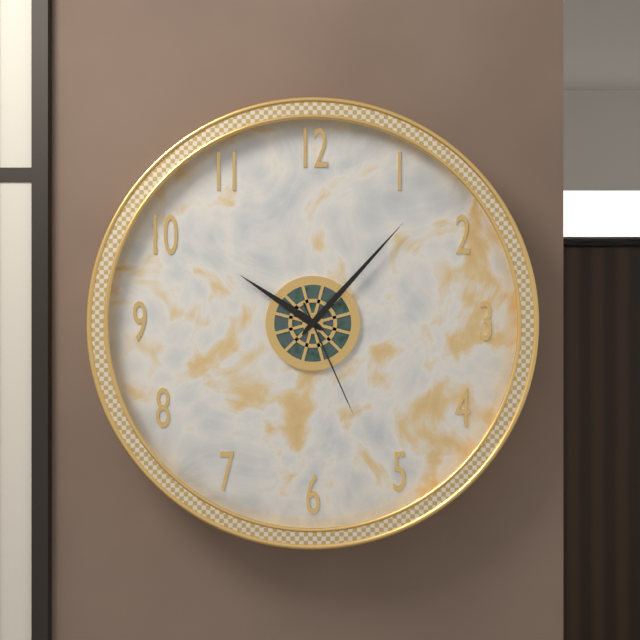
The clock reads 10.07.26
